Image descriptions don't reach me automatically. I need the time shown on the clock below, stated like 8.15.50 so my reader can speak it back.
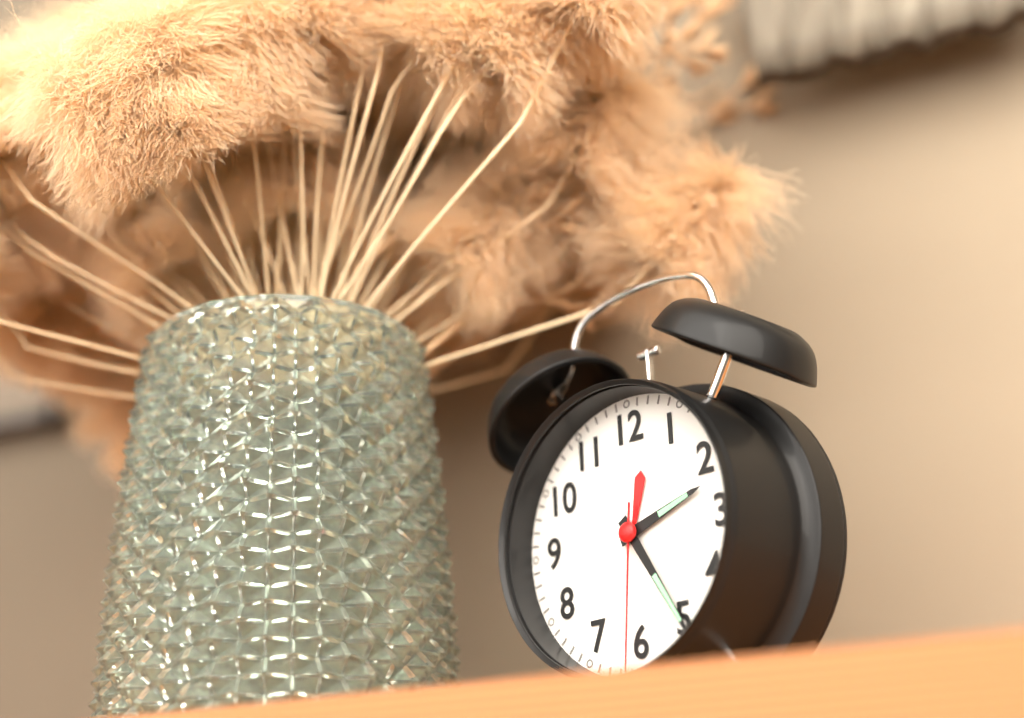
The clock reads 2.25.31
